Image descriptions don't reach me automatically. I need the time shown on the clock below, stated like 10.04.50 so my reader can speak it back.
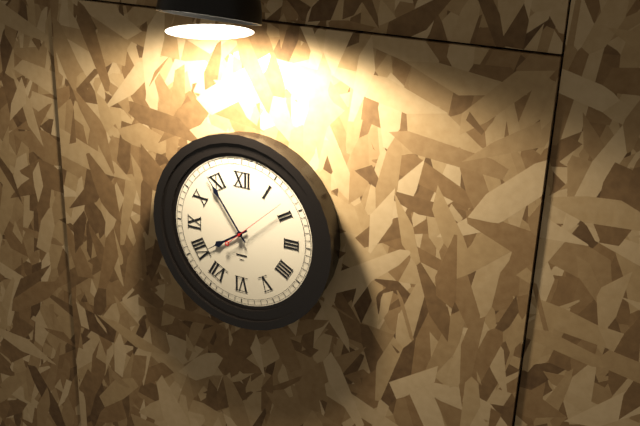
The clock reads 7.54.08
